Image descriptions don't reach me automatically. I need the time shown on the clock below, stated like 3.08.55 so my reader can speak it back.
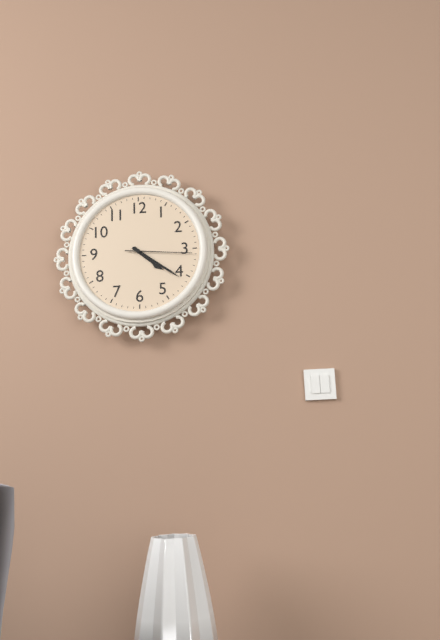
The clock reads 4.21.16
